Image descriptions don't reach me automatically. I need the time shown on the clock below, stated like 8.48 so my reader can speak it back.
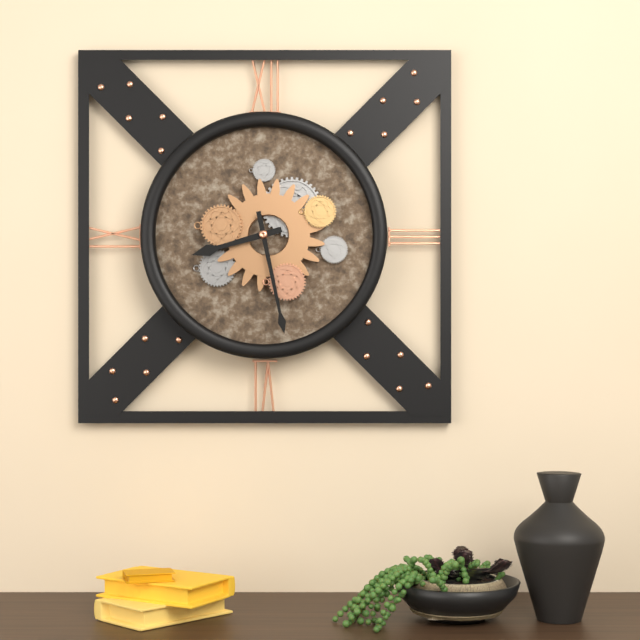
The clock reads 8.28
